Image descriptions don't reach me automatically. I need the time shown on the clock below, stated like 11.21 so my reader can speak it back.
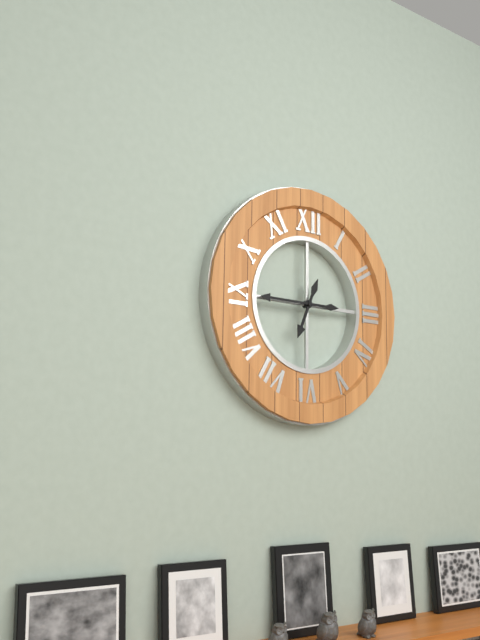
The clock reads 6.45
